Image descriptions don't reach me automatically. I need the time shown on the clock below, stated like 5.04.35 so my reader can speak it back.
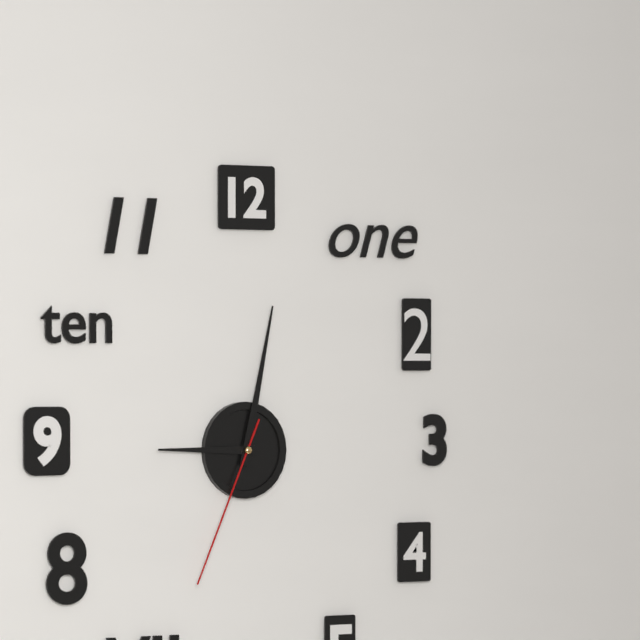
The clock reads 9.02.34
